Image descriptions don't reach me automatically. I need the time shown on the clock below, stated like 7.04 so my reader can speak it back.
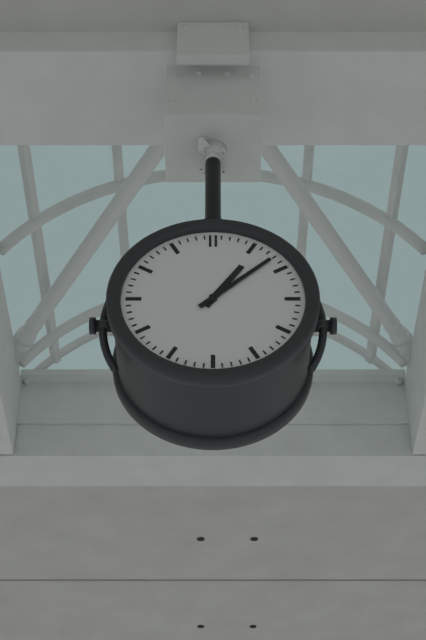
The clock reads 1.08
